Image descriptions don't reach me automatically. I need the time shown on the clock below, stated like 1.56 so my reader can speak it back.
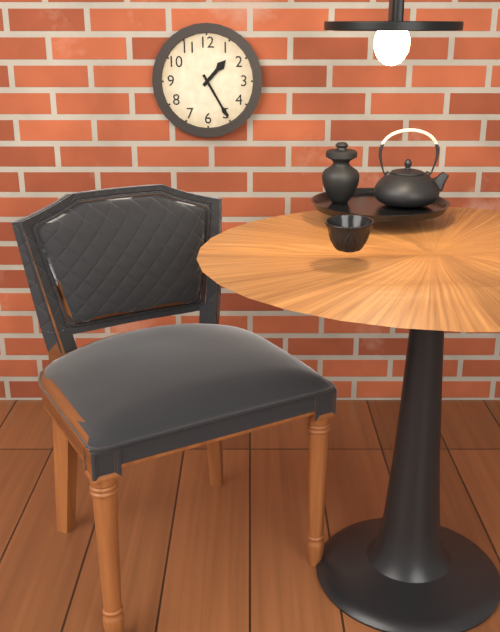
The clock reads 1.25
